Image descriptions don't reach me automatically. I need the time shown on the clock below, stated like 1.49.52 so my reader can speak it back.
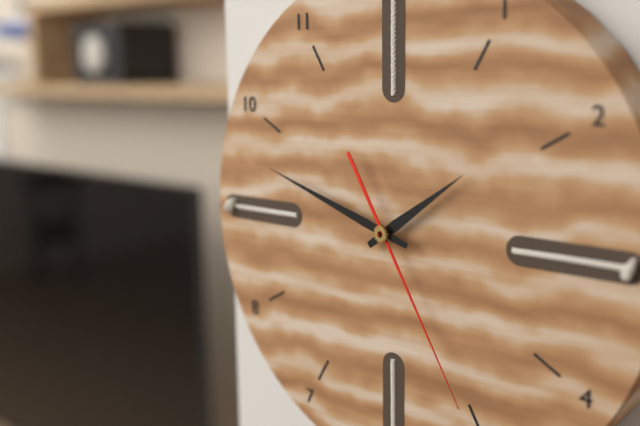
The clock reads 1.48.25
